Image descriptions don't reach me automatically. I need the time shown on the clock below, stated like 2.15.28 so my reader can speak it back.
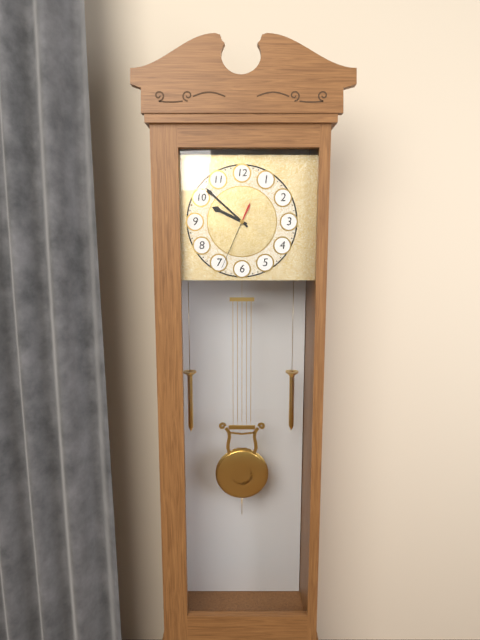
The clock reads 9.52.34
